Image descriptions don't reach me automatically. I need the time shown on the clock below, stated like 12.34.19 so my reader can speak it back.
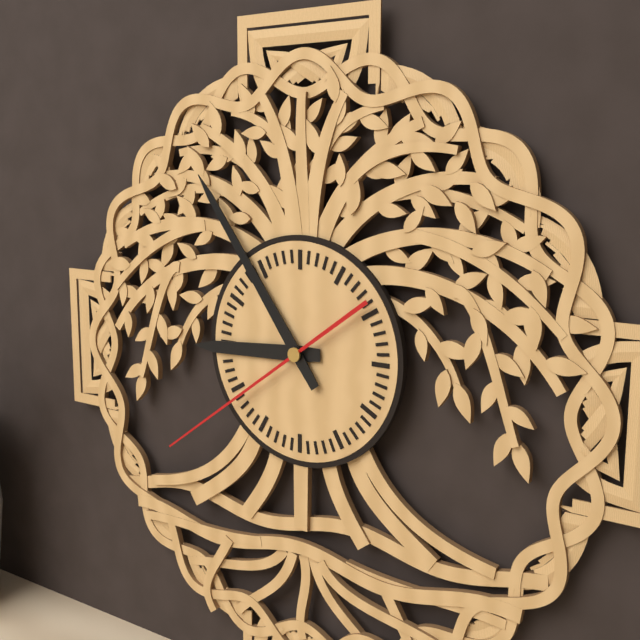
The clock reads 8.54.39
